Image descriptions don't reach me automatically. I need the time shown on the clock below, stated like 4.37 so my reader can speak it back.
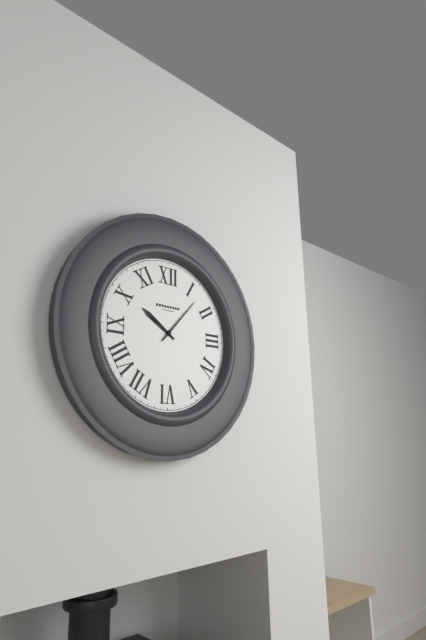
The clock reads 10.07
